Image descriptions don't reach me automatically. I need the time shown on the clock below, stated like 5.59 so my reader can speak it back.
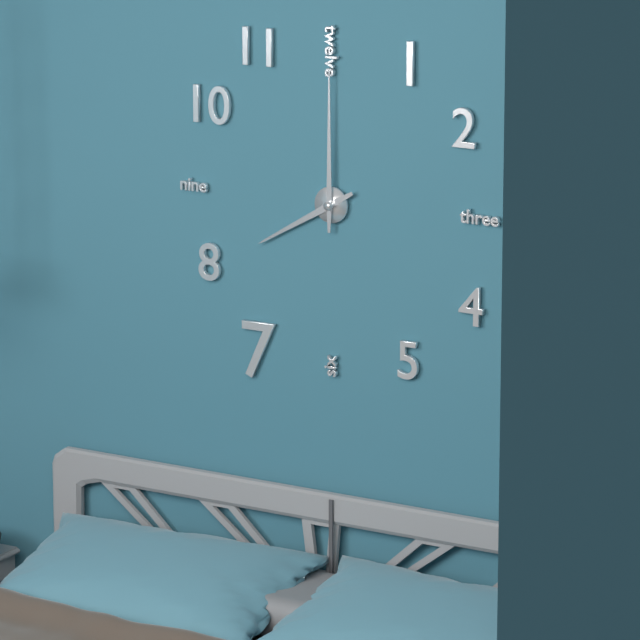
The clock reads 8.00
